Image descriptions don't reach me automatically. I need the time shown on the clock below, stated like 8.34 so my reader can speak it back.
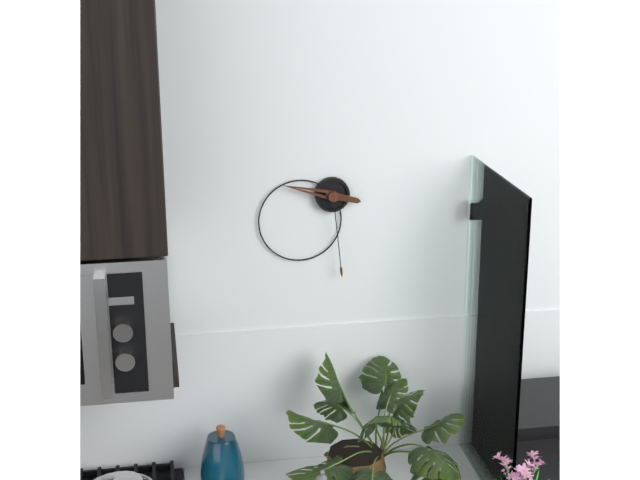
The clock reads 9.29
